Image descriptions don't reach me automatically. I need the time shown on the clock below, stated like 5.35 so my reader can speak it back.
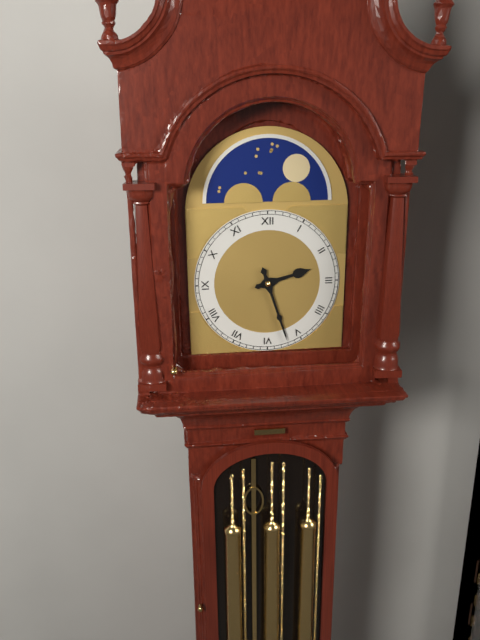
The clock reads 2.27
